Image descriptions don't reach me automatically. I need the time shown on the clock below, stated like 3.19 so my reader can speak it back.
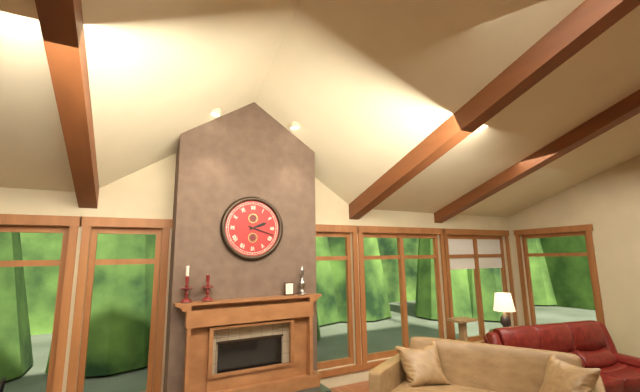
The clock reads 2.18
